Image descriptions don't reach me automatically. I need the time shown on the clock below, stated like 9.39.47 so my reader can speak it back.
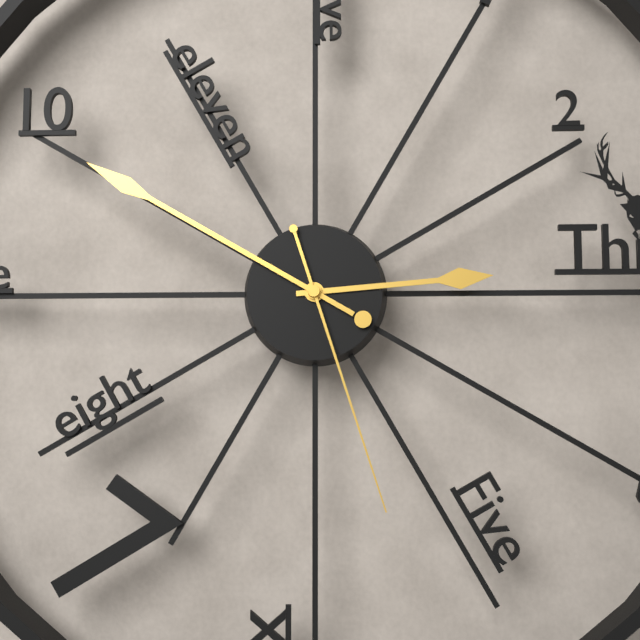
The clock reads 2.50.27
